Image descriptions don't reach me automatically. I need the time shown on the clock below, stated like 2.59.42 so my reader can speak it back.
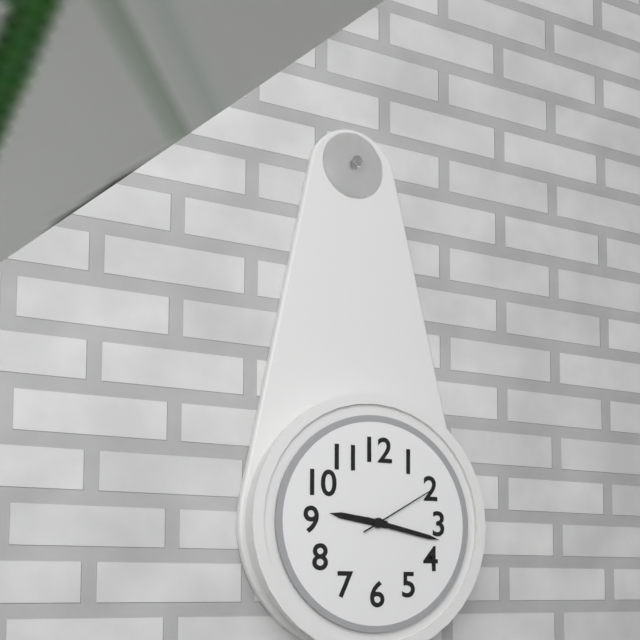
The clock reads 9.17.10
